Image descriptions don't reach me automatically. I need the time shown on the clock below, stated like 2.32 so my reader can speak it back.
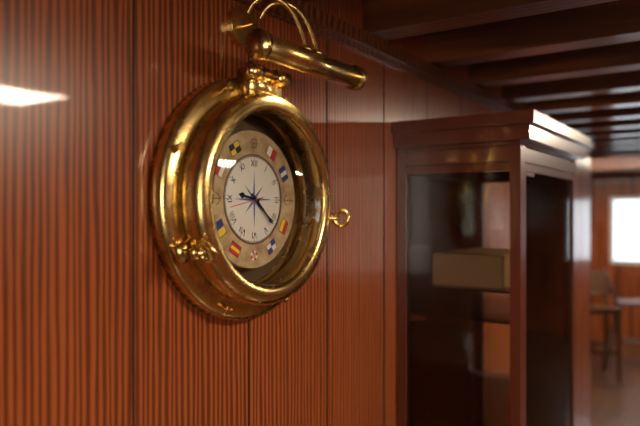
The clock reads 9.22
